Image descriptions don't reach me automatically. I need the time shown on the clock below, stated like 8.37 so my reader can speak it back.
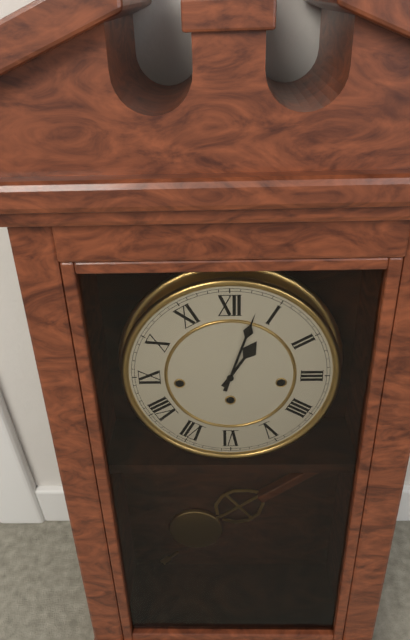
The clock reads 1.03
